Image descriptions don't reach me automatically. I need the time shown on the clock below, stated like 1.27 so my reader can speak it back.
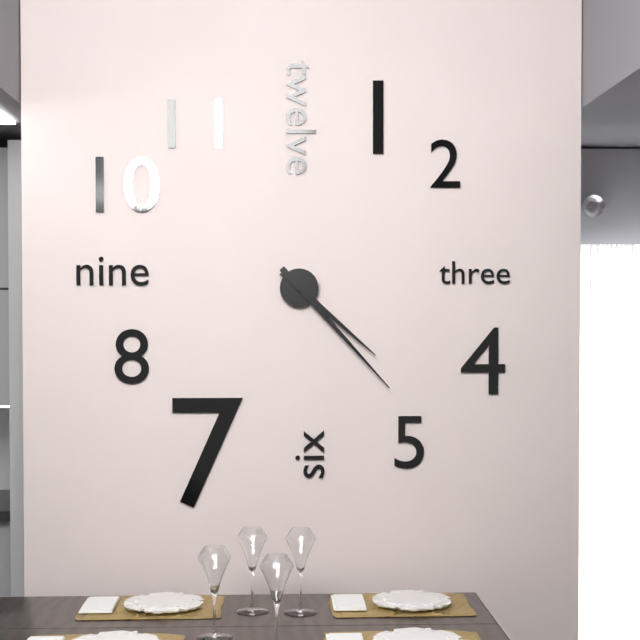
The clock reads 4.23
